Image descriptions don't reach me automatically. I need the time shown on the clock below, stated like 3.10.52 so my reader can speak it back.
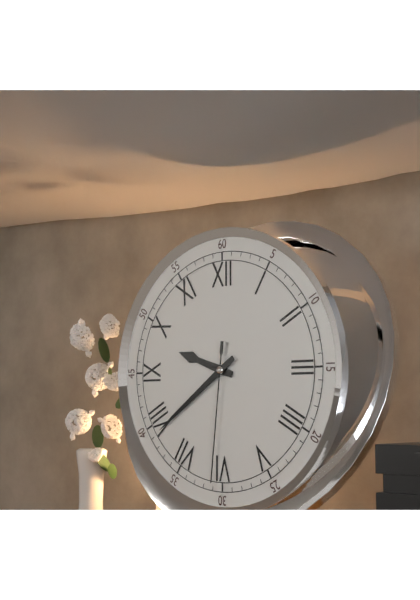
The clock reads 9.39.31
